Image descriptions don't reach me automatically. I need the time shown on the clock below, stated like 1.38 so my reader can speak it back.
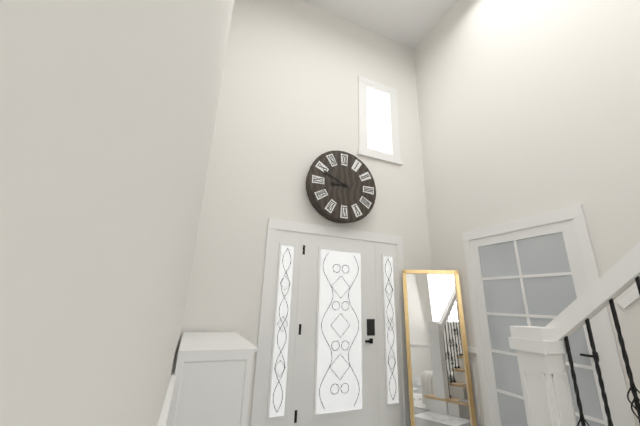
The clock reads 8.49
